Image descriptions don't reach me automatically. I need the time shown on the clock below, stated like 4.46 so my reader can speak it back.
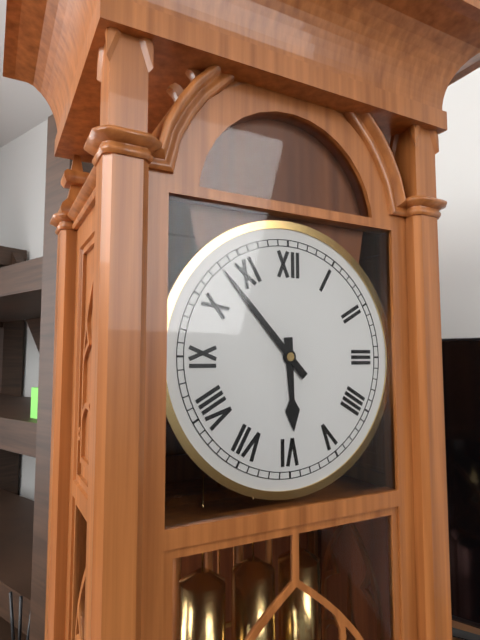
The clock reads 5.53
